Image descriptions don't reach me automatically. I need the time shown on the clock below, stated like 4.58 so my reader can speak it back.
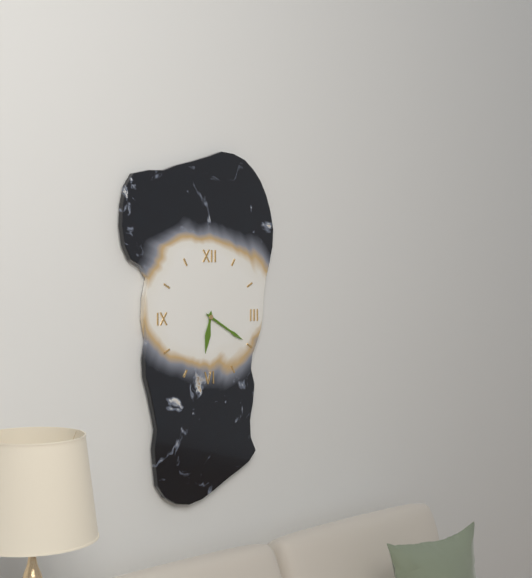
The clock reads 6.20
